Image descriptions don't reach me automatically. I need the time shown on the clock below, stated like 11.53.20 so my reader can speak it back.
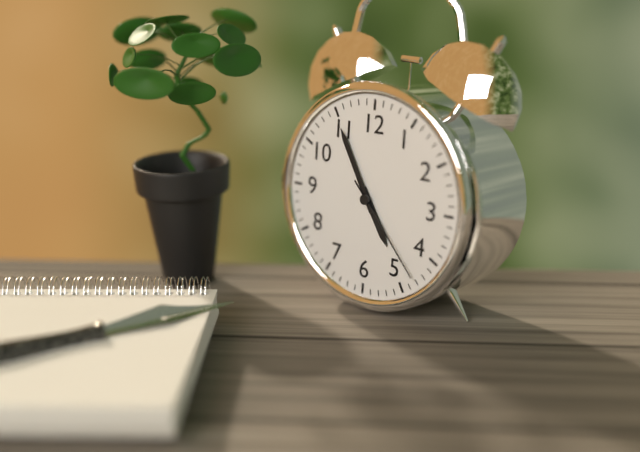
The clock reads 4.55.23
